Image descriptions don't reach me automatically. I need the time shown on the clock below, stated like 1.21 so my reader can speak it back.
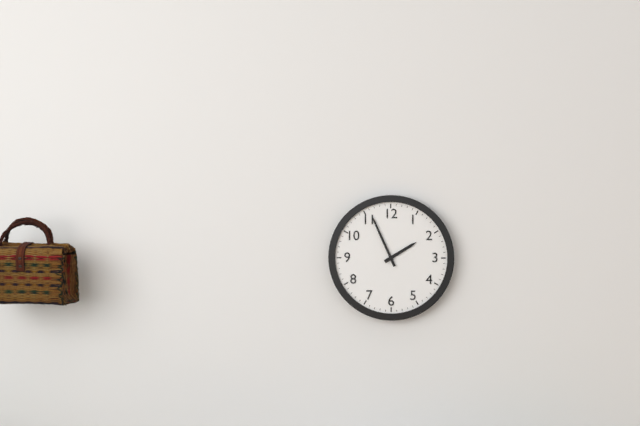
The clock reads 1.56
